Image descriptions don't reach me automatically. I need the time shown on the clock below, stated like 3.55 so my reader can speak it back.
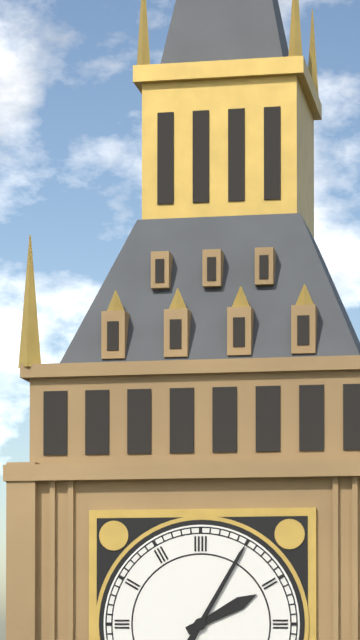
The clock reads 2.05
